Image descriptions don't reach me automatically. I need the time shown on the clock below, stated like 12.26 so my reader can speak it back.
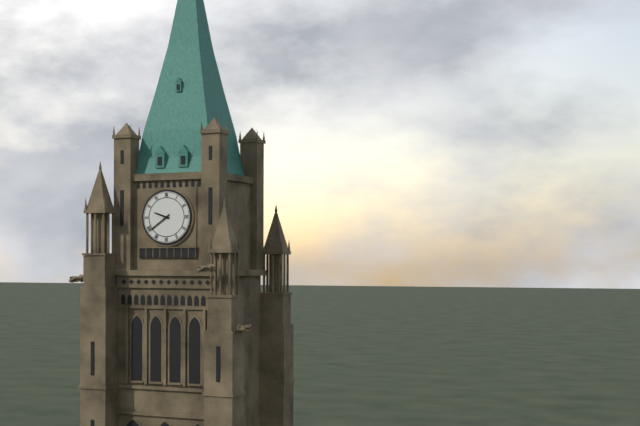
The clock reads 9.39
